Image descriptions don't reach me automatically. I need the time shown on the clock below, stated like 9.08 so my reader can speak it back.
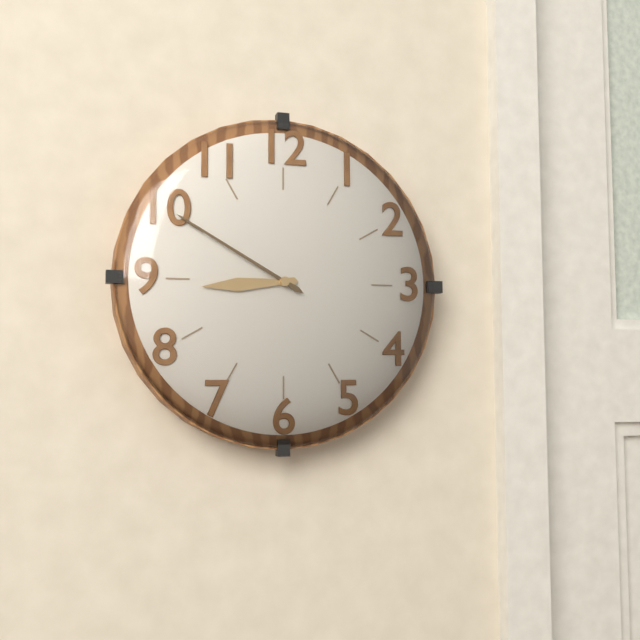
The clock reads 8.50
